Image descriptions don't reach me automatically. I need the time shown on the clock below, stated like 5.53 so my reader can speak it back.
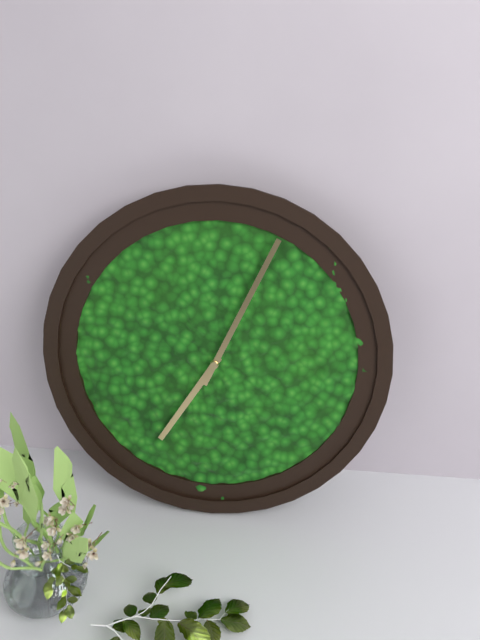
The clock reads 7.04
